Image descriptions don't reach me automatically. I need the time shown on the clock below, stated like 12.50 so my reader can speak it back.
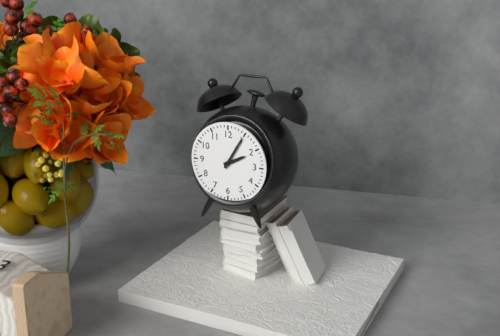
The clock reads 2.05
